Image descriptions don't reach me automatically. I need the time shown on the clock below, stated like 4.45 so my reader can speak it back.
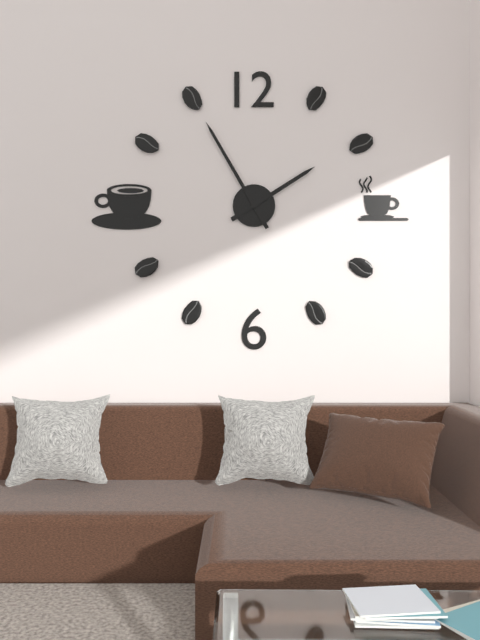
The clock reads 1.55
